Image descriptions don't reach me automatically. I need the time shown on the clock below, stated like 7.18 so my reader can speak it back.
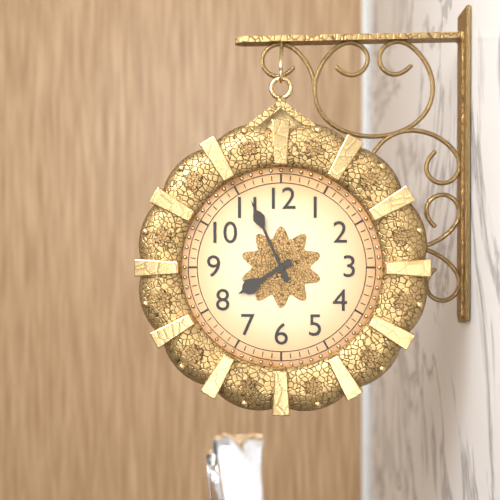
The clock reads 7.56
